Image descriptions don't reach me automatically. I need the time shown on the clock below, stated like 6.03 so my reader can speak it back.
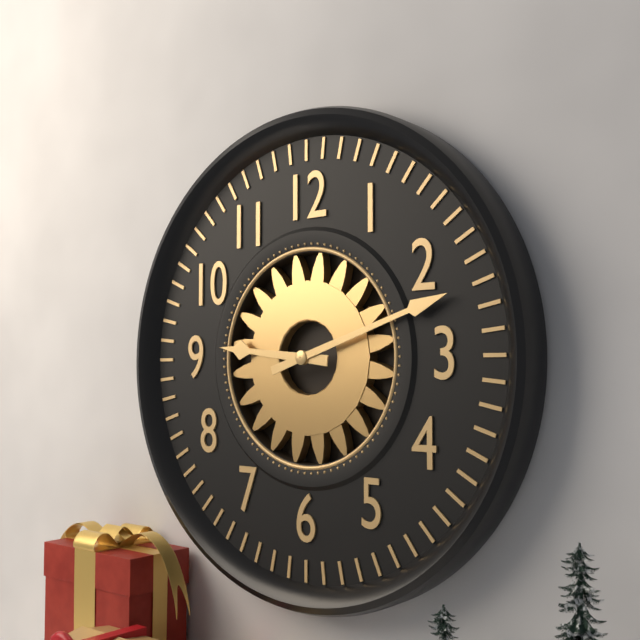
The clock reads 9.12
